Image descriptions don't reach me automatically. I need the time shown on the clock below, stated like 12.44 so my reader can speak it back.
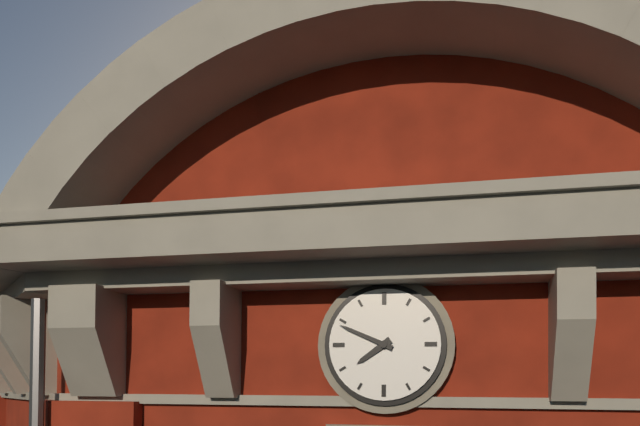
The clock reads 7.49
